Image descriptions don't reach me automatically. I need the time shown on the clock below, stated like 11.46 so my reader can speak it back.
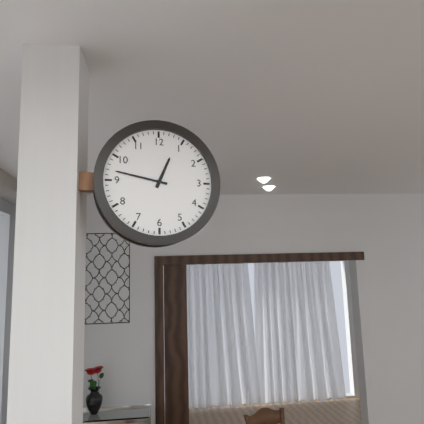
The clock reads 12.47
